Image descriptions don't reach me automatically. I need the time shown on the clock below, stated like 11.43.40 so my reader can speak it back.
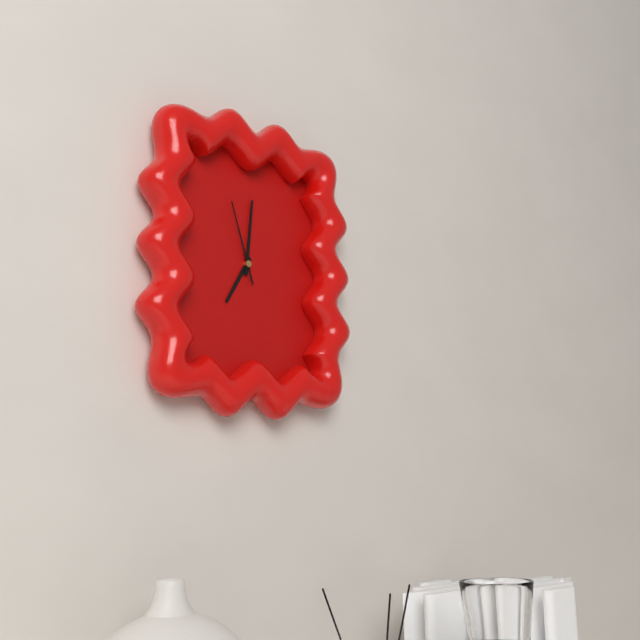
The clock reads 7.01.57
